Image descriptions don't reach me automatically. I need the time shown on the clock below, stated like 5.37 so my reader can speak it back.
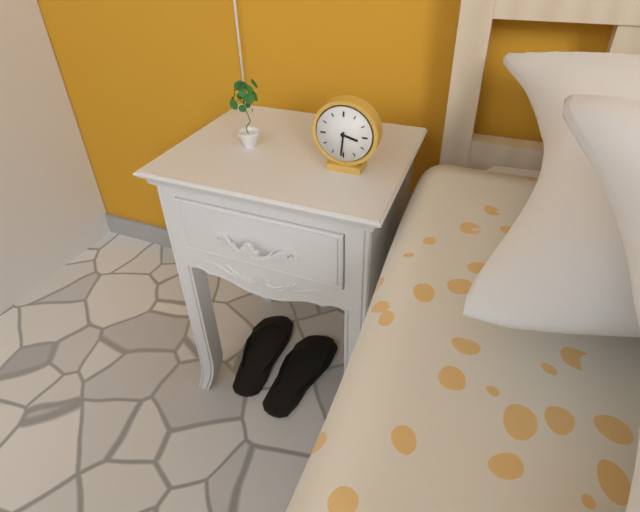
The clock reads 3.31
